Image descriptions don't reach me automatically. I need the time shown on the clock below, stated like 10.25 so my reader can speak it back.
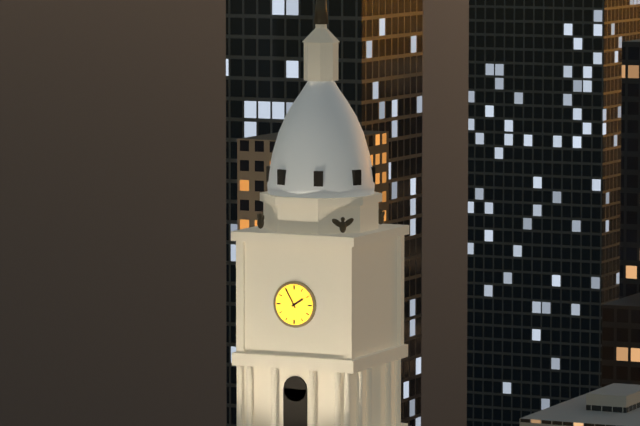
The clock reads 1.55
